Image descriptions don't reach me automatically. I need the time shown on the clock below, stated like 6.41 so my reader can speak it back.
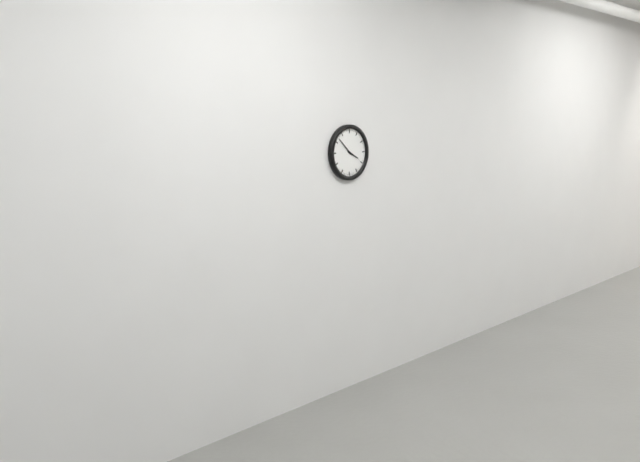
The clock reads 3.52
